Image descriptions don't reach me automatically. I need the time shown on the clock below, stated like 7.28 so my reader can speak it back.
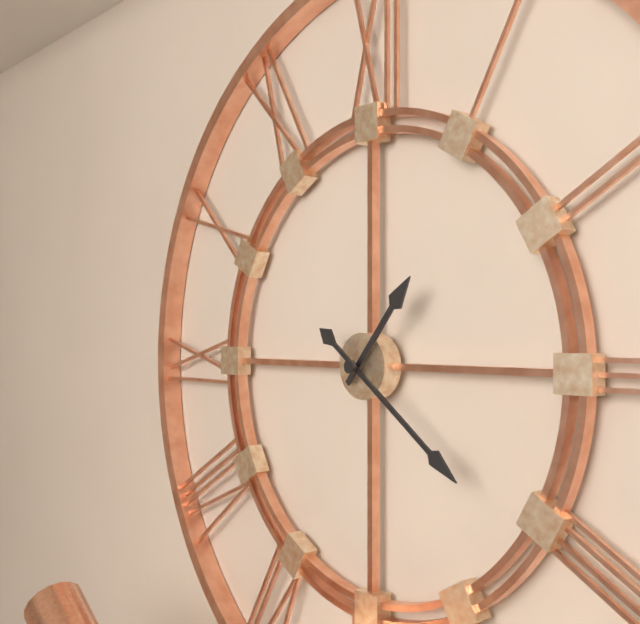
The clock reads 1.21
